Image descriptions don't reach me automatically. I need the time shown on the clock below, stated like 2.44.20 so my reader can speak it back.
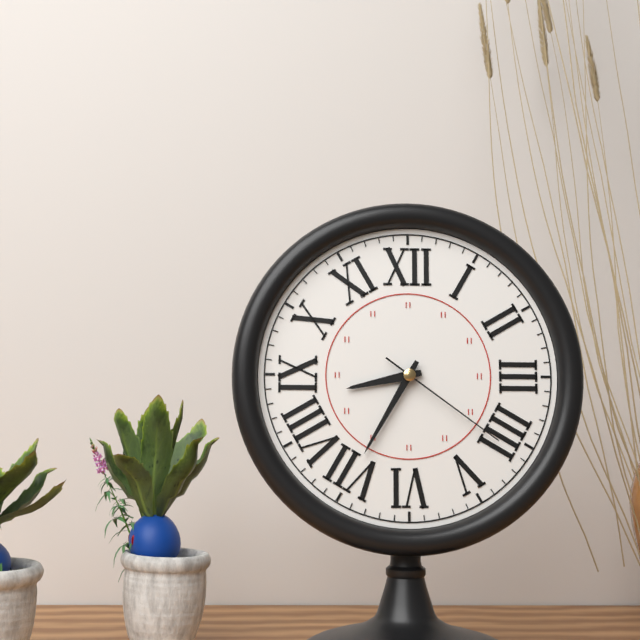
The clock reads 8.35.21
